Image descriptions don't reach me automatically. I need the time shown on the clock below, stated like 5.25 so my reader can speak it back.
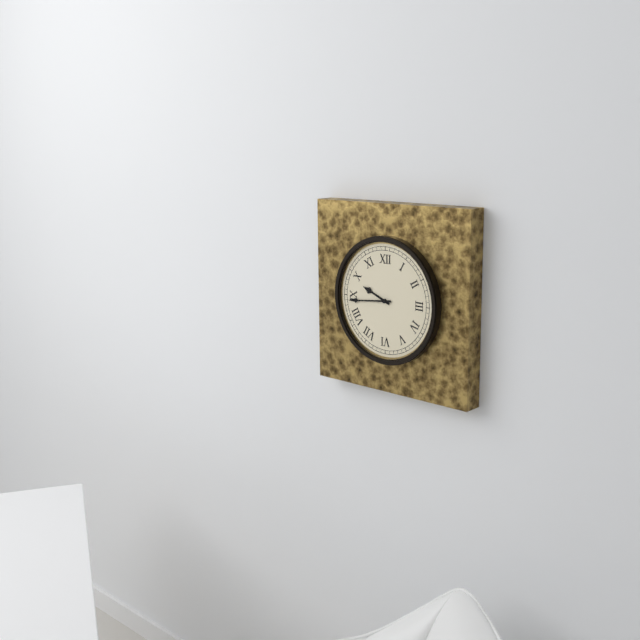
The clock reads 9.44
